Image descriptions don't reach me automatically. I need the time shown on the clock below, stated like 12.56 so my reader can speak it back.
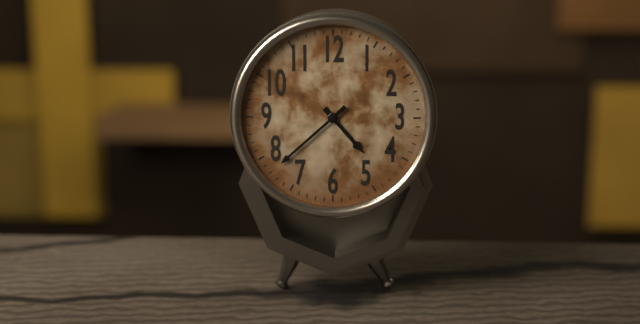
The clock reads 4.38
